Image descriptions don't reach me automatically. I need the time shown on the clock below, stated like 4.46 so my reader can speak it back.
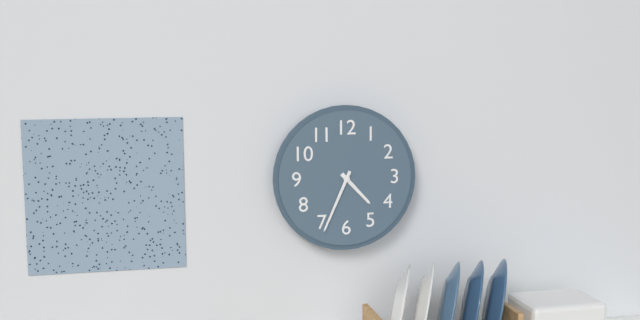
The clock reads 4.34
